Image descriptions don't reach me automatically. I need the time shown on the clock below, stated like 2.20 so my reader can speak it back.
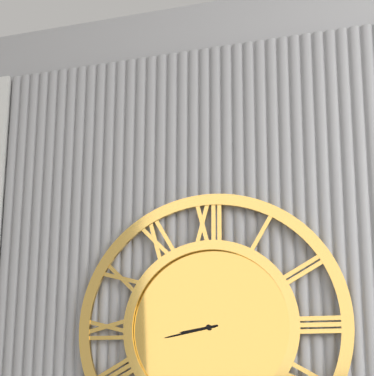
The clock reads 8.43
